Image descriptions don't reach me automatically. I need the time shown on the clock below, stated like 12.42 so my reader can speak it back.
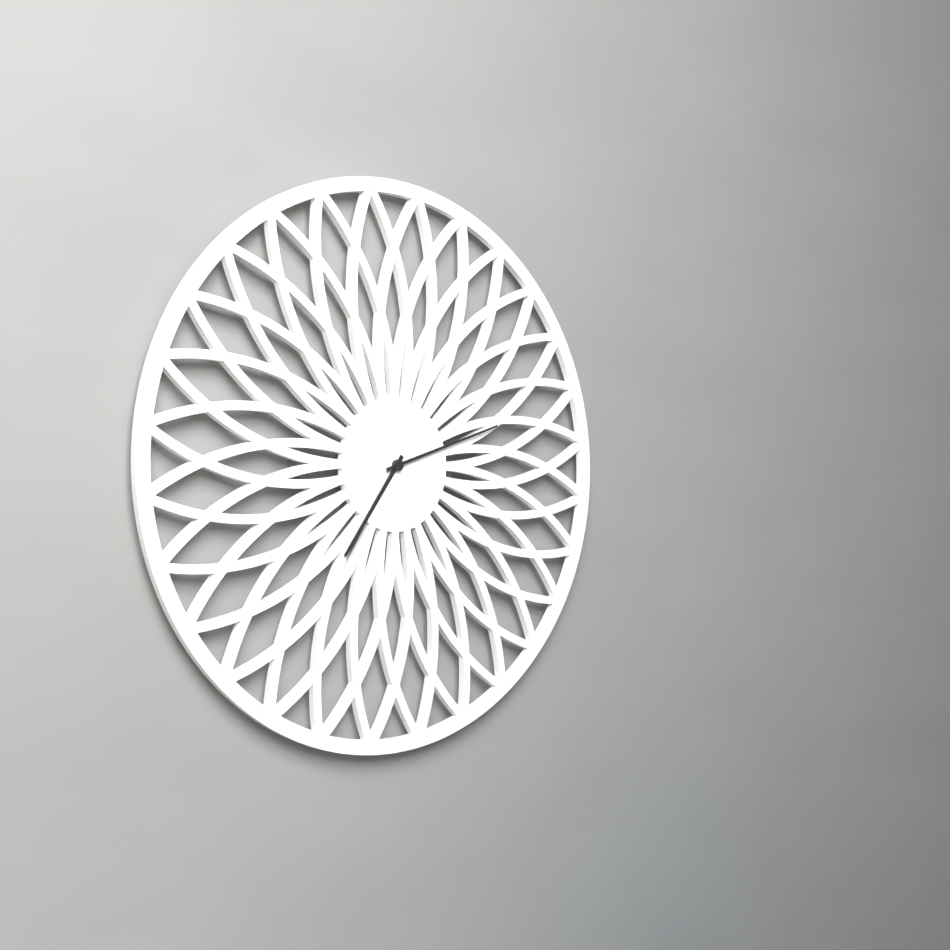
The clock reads 7.12
